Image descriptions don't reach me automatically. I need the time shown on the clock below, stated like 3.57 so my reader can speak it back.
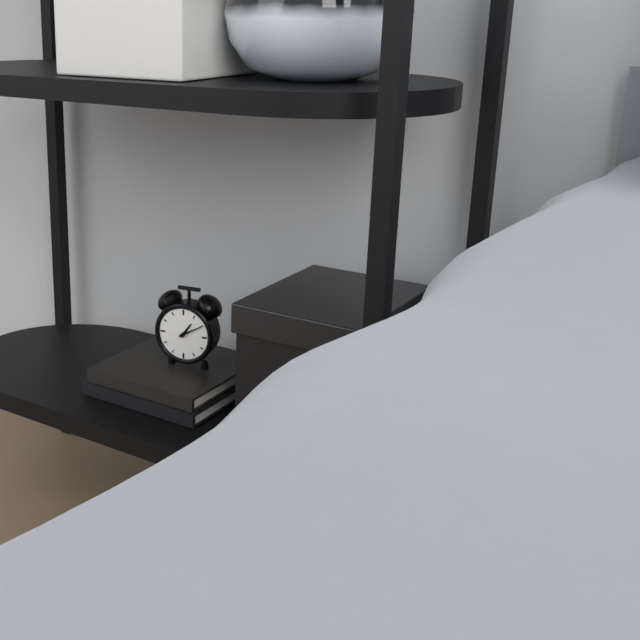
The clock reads 1.10
